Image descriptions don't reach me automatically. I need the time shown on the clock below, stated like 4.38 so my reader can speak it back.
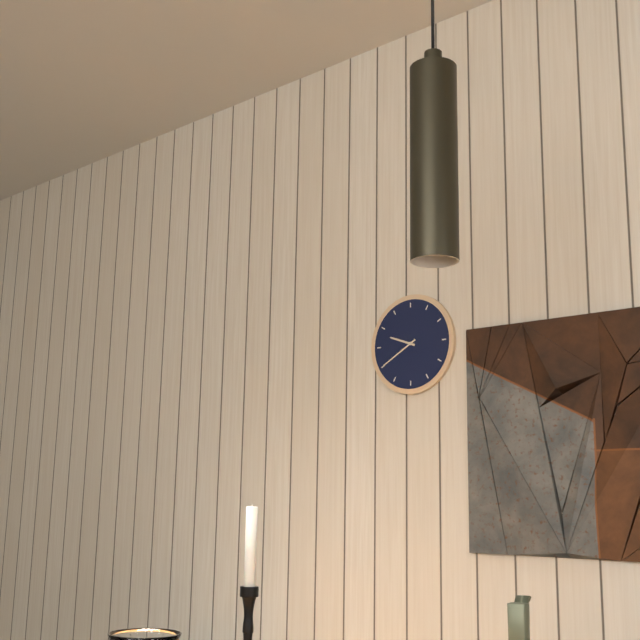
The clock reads 9.40
